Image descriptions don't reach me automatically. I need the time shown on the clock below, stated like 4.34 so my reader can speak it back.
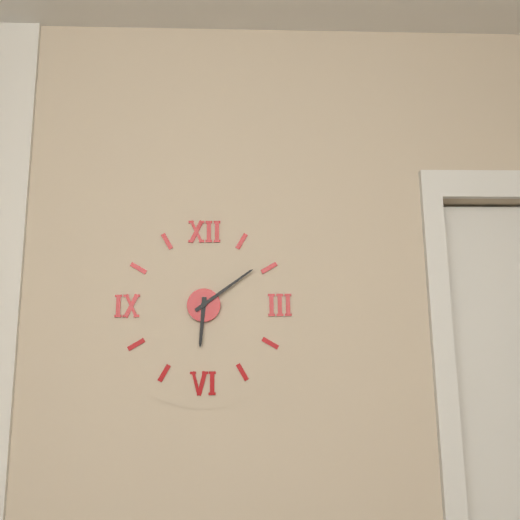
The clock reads 6.09
